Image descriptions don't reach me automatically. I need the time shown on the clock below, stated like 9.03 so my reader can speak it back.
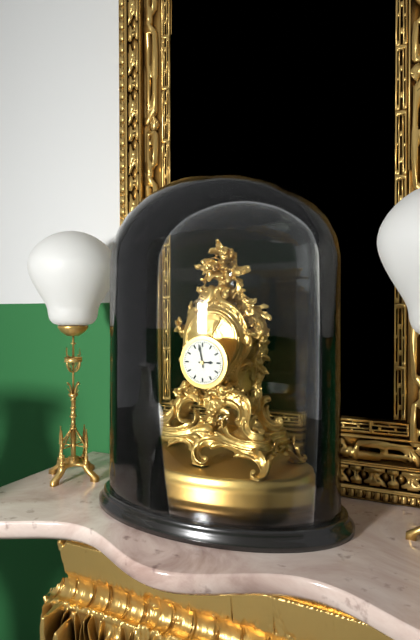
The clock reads 2.58
